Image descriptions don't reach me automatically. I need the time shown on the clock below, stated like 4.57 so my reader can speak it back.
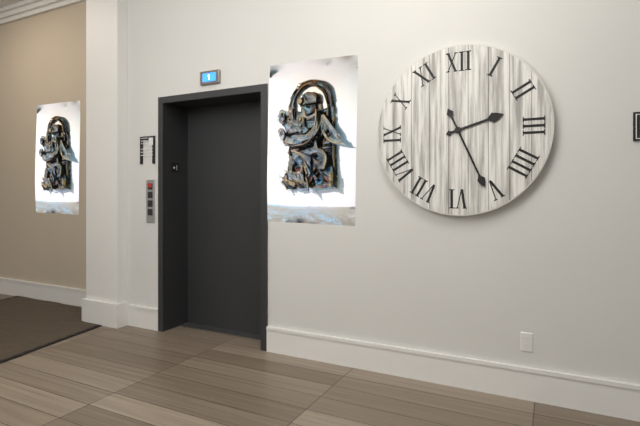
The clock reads 2.26
